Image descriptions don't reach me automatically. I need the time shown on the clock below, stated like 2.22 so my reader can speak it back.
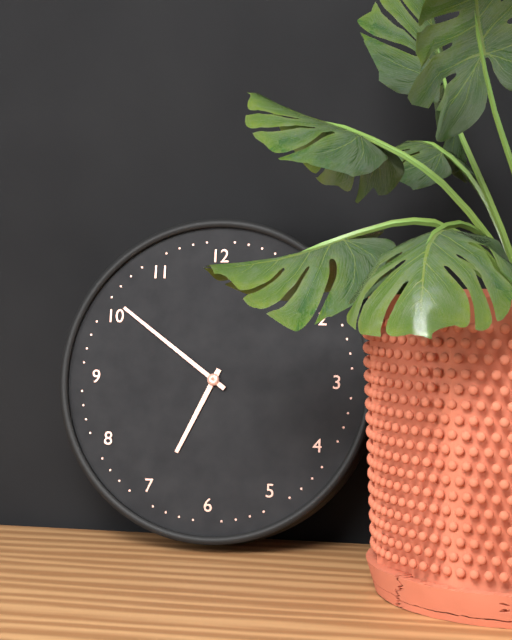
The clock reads 6.51
